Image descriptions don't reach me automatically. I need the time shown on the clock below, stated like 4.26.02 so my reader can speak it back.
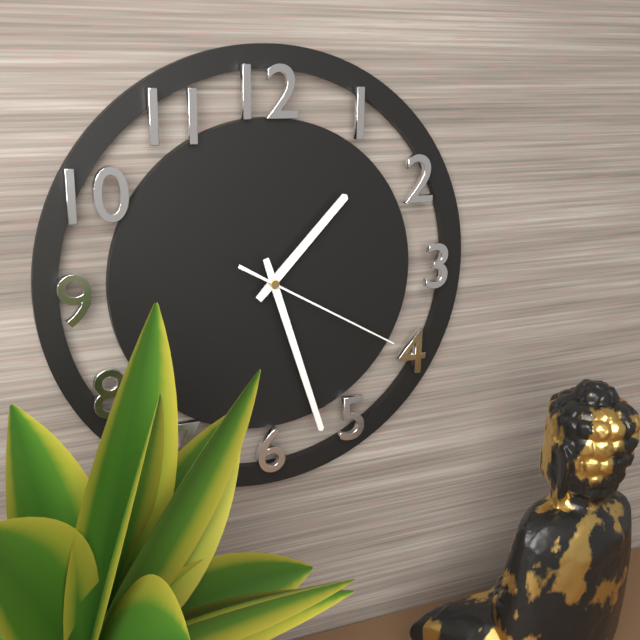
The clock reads 1.27.20
